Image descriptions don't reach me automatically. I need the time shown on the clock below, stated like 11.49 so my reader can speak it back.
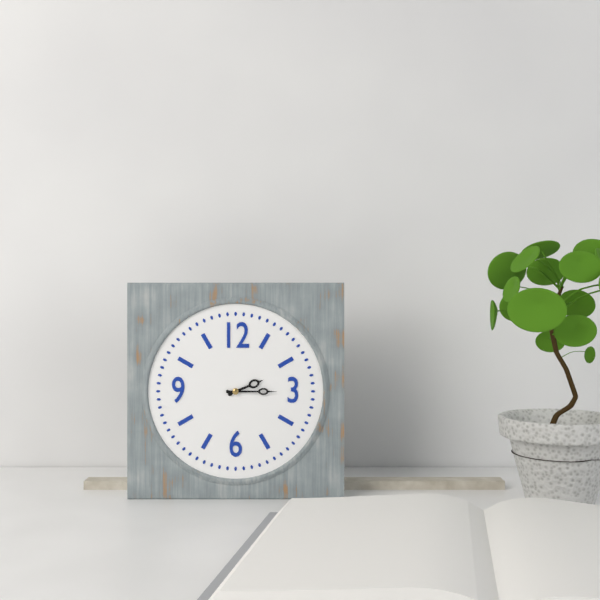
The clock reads 2.15
